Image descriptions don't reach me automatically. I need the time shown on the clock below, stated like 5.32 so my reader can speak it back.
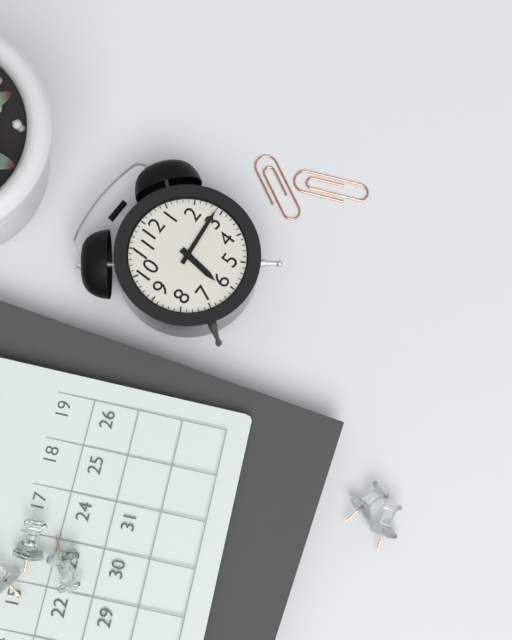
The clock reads 6.14
